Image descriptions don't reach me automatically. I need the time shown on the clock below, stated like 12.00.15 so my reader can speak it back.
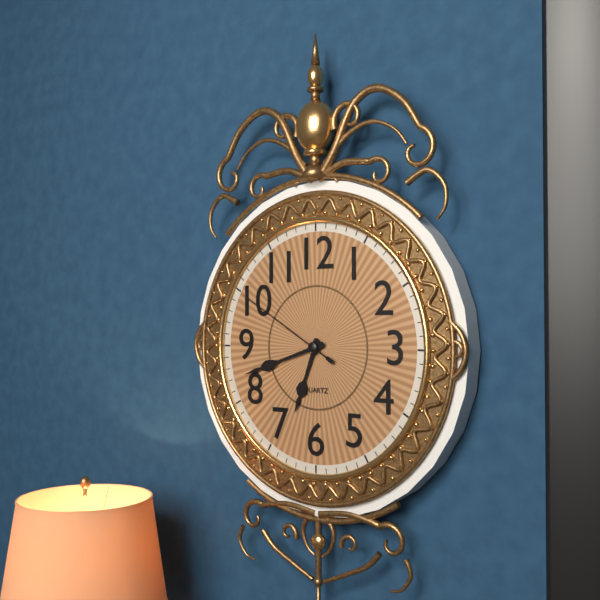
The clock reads 6.42.50
